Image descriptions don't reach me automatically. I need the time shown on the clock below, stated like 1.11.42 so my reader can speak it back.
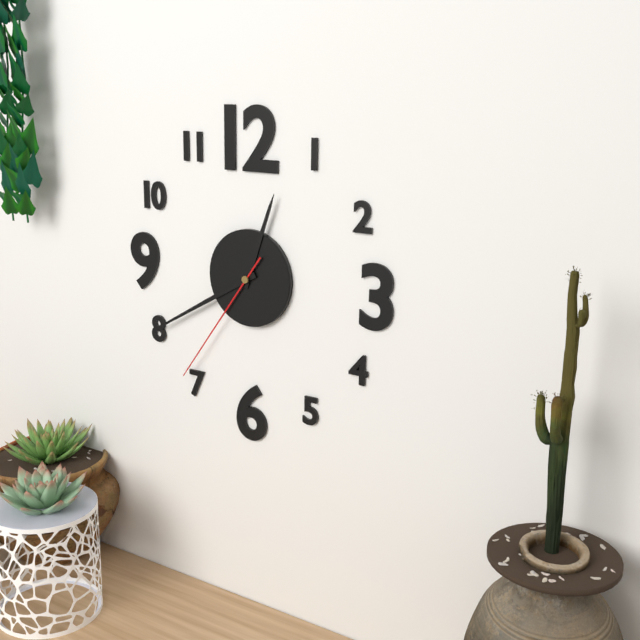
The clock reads 12.40.36
